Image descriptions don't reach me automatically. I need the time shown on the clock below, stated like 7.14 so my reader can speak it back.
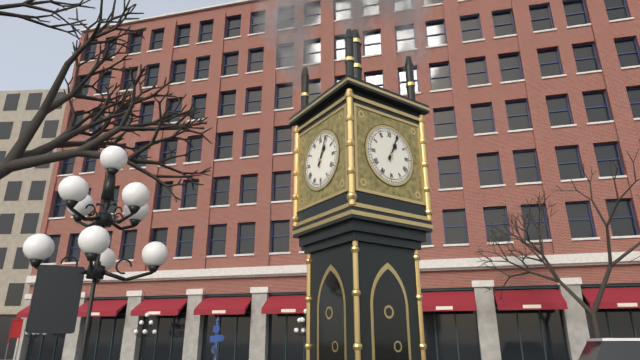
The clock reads 1.04
